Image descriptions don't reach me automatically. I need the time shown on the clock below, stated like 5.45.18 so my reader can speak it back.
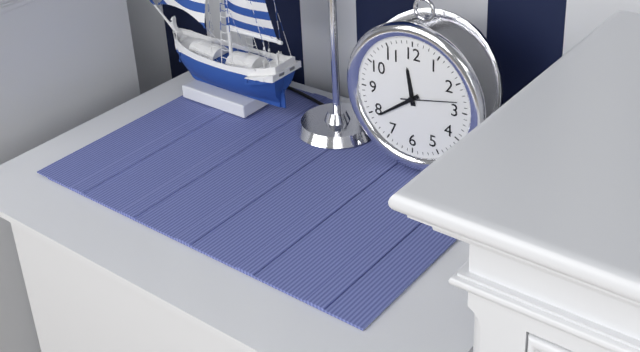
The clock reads 11.39.13
